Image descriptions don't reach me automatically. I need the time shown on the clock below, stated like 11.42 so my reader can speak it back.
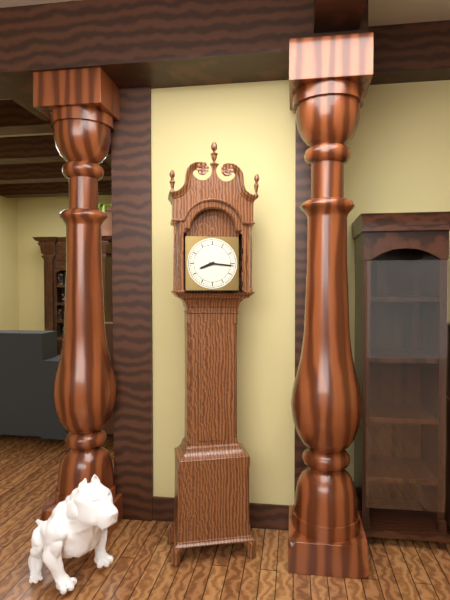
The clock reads 8.16
